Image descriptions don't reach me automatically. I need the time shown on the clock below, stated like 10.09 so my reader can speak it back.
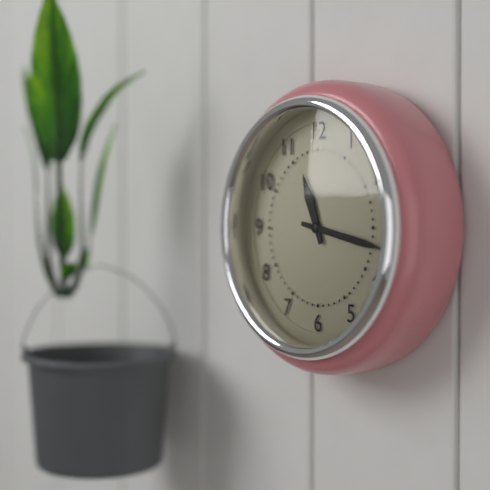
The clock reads 11.17
